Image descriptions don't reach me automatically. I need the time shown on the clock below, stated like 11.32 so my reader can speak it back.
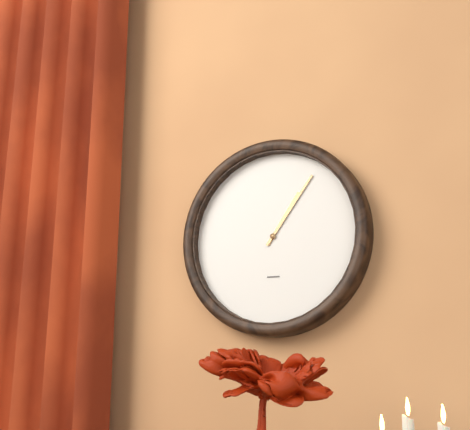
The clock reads 1.06
